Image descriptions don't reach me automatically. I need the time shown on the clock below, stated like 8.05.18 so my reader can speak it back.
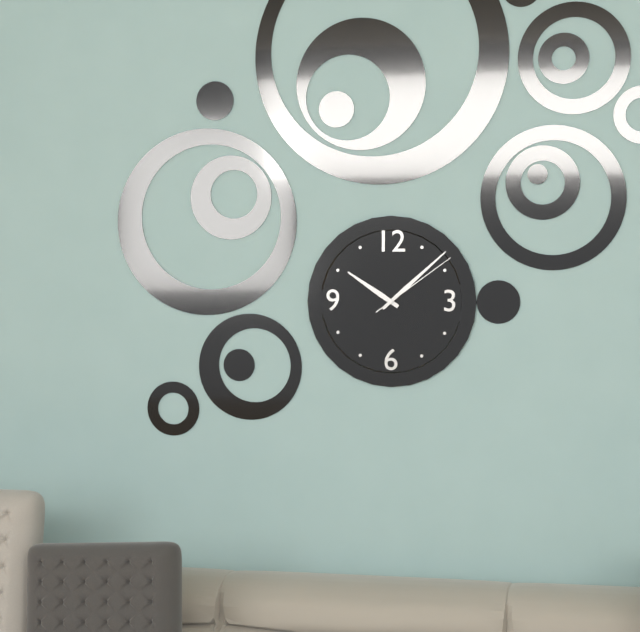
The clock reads 10.08.09
